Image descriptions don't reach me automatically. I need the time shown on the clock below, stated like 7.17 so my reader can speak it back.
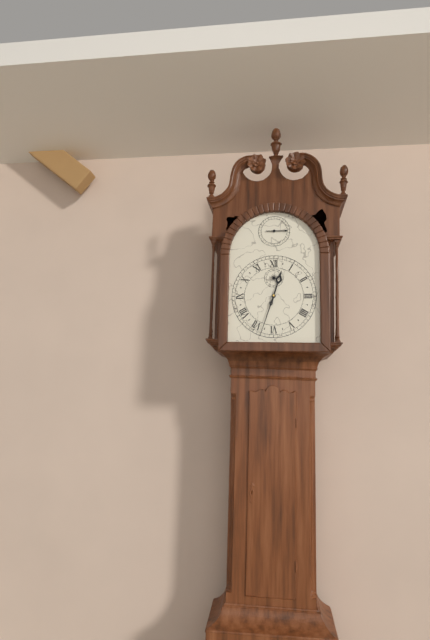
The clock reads 12.33
